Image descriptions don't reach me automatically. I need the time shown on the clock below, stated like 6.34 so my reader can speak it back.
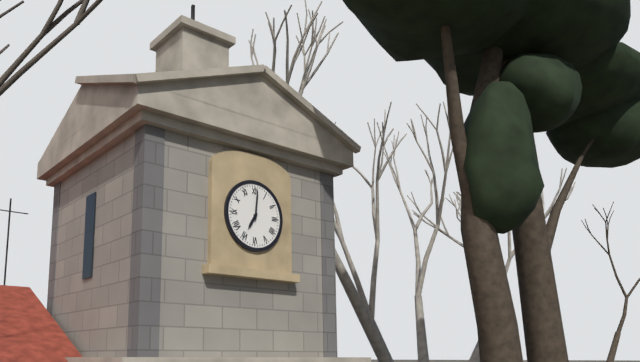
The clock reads 7.01
